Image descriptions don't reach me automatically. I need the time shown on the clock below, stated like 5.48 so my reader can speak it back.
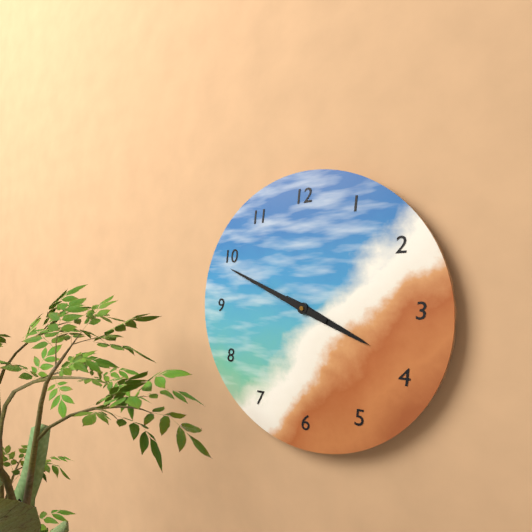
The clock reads 3.49
